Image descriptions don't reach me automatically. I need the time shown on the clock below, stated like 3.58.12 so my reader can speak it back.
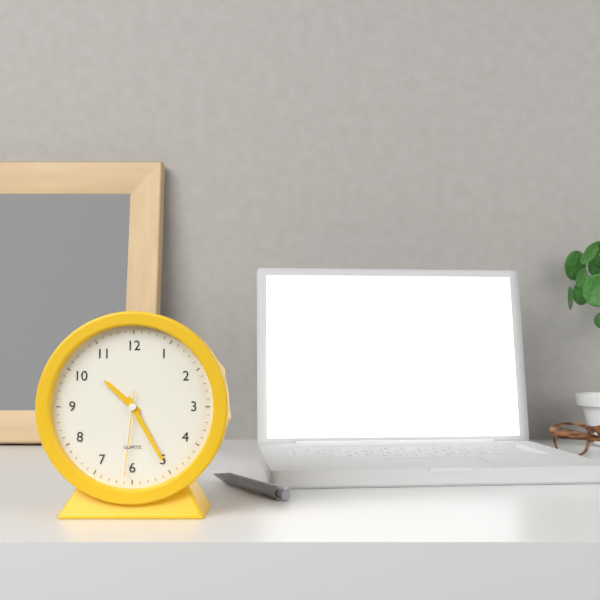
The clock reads 10.25.31
